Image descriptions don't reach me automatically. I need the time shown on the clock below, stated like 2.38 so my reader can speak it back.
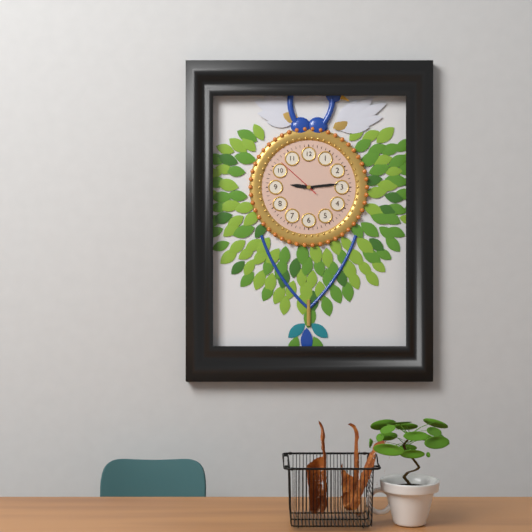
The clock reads 9.14
